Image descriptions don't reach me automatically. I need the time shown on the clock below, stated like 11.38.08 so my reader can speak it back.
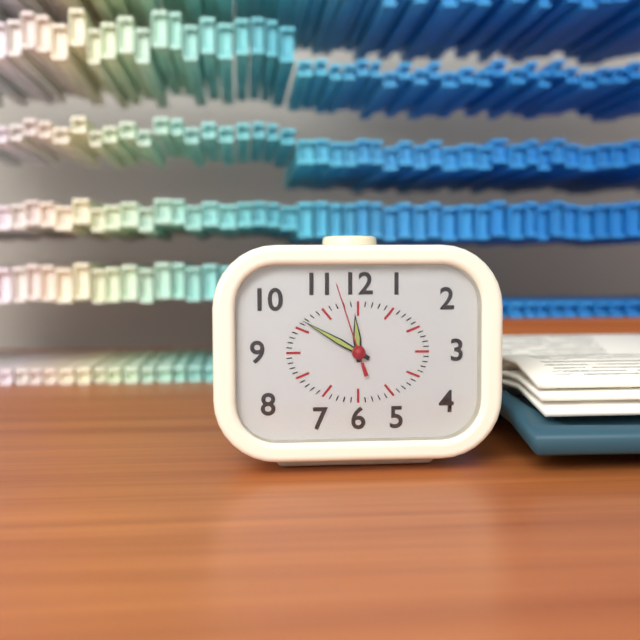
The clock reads 11.50.57
